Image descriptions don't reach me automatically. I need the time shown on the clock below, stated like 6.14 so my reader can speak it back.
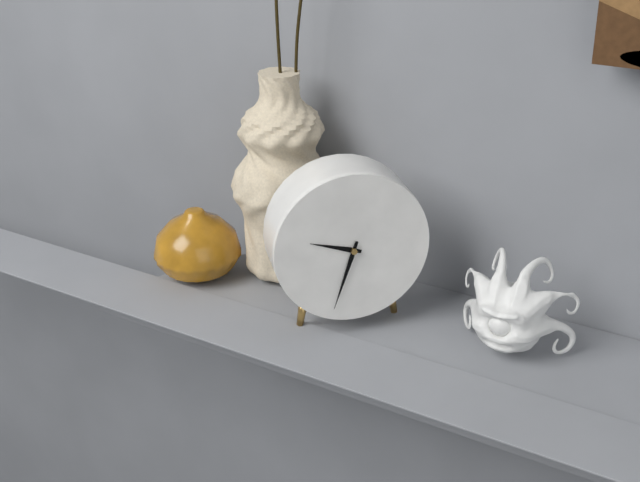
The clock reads 9.33
